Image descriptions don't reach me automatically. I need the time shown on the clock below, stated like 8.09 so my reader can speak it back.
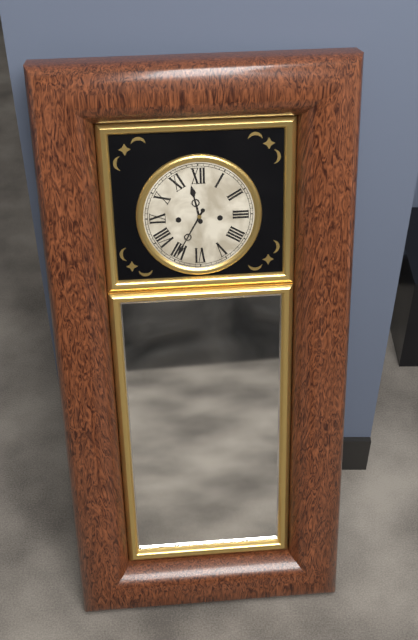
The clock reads 11.35
